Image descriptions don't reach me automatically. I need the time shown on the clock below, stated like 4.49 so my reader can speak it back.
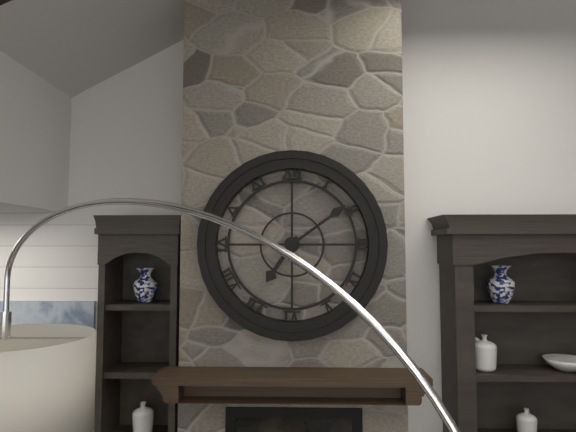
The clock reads 7.09
